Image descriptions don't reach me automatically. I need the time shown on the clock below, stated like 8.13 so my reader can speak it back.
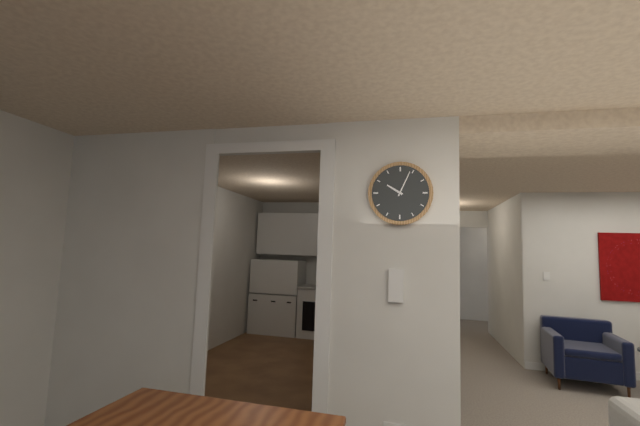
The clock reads 10.04
